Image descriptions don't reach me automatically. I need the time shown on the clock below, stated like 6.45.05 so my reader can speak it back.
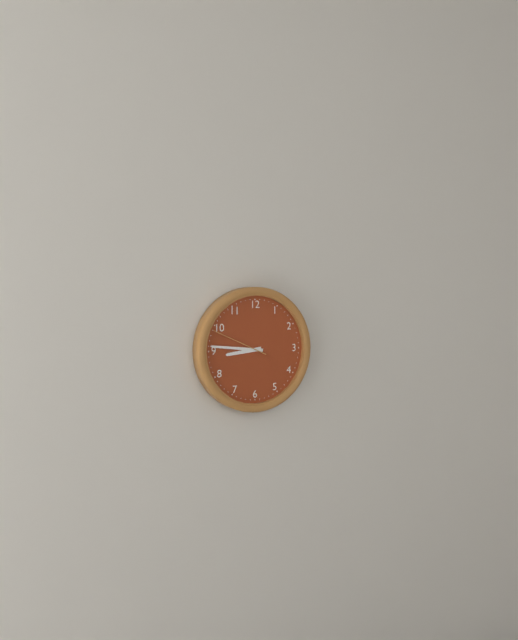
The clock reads 8.46.49
